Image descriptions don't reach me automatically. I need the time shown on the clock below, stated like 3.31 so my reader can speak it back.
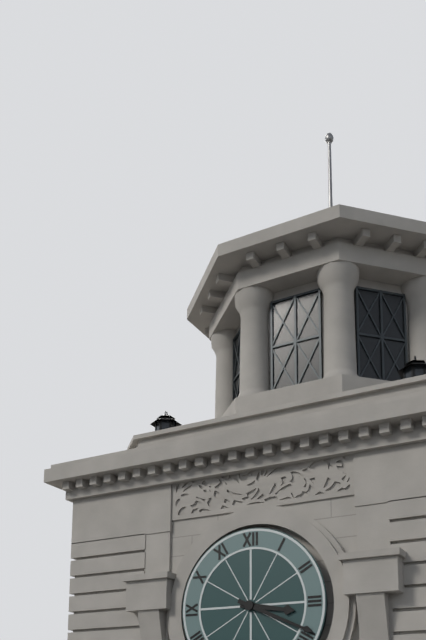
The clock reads 3.19
